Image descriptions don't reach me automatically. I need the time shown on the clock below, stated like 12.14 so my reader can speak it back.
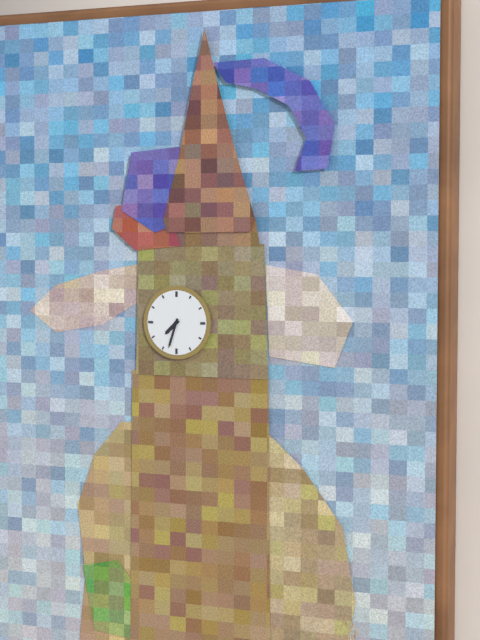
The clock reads 7.33
